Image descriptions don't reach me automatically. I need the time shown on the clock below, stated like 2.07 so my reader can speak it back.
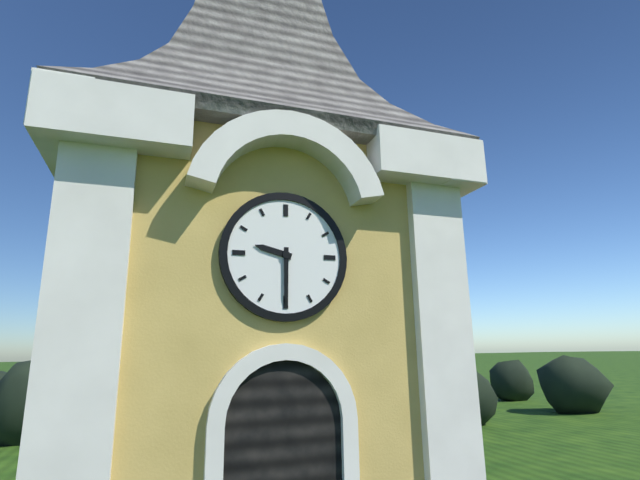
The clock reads 9.30
